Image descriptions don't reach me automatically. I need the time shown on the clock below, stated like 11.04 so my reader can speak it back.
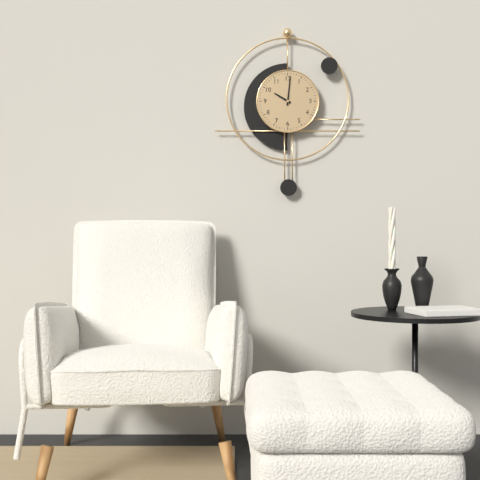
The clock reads 10.01
